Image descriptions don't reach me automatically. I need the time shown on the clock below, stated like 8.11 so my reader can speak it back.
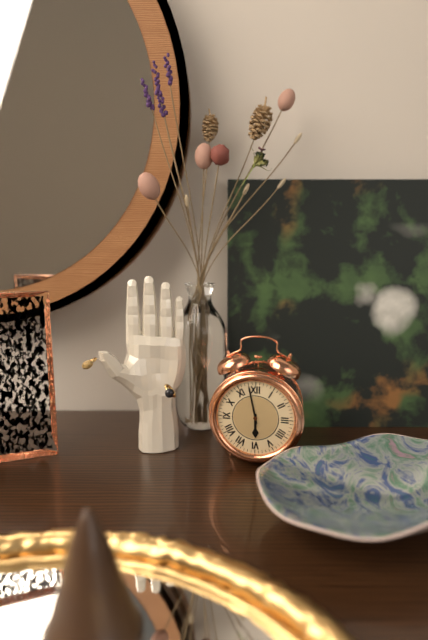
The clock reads 5.58
